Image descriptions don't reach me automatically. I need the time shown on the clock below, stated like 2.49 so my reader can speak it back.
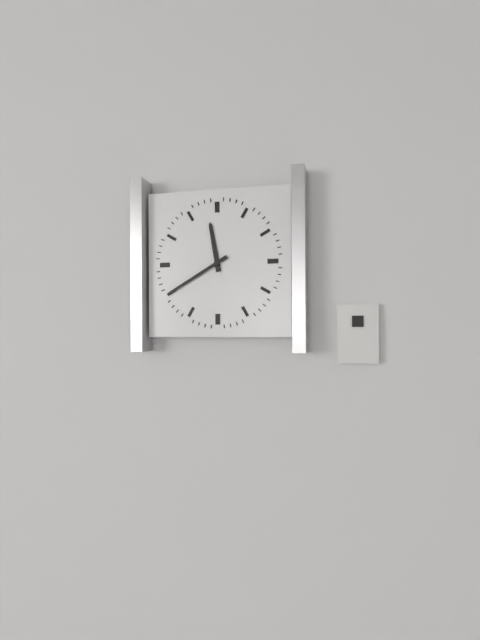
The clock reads 11.40
